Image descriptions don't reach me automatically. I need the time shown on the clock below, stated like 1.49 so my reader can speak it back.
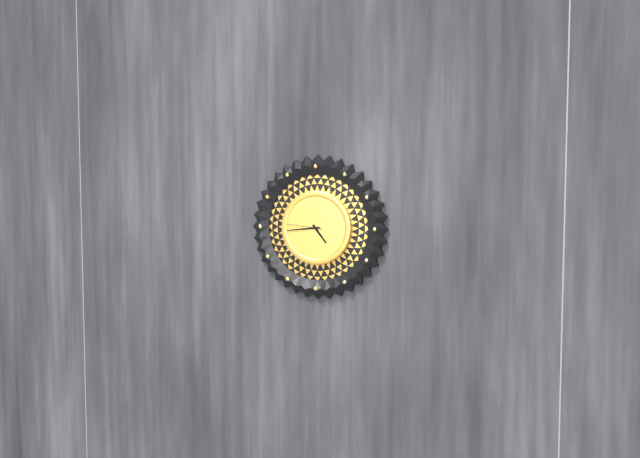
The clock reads 4.44
